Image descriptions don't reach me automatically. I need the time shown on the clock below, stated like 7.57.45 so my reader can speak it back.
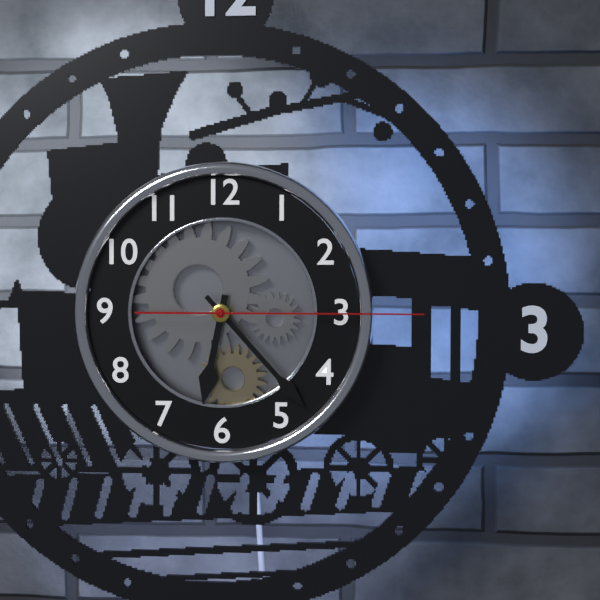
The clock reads 6.23.15
